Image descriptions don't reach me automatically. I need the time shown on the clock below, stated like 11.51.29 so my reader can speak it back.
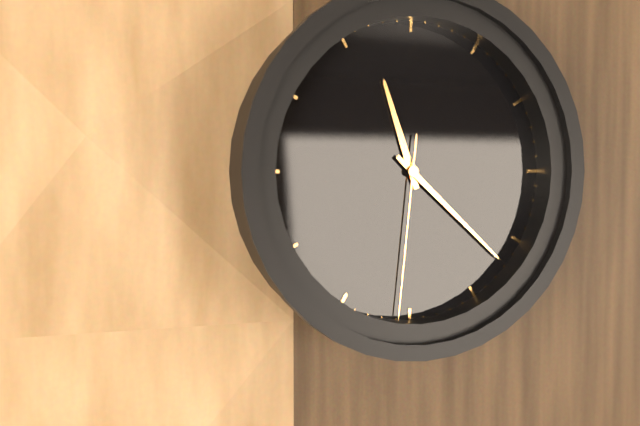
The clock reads 11.22.31
